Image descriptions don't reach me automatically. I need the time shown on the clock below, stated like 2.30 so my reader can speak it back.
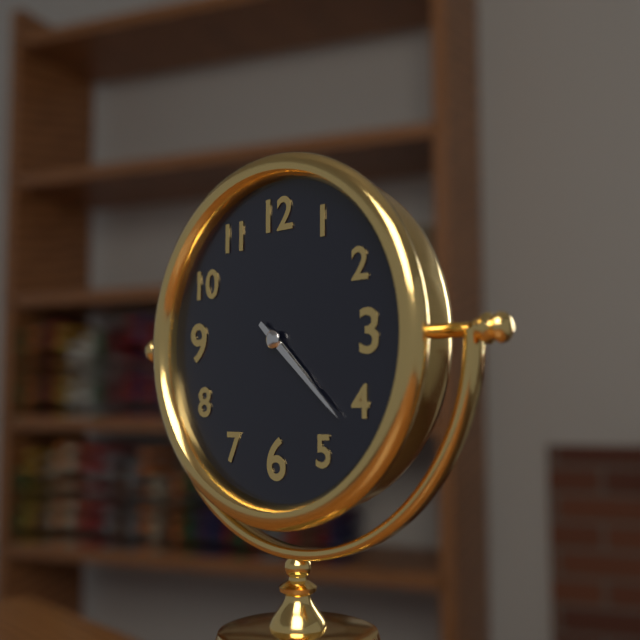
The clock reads 4.22
